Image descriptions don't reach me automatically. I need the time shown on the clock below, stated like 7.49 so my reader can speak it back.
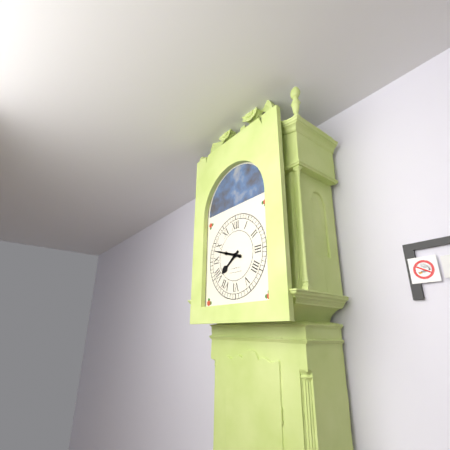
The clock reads 7.48
